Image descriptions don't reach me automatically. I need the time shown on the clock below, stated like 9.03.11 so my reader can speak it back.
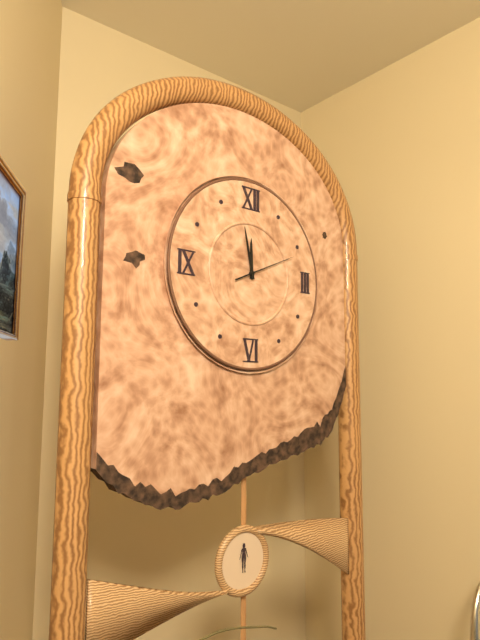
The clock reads 11.58.11
